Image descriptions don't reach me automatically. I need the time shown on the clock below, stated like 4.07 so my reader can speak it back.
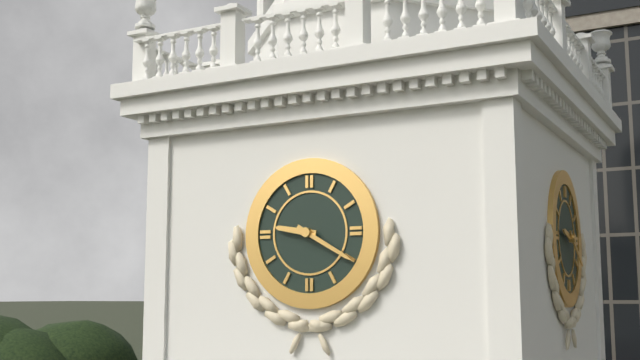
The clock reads 9.20
